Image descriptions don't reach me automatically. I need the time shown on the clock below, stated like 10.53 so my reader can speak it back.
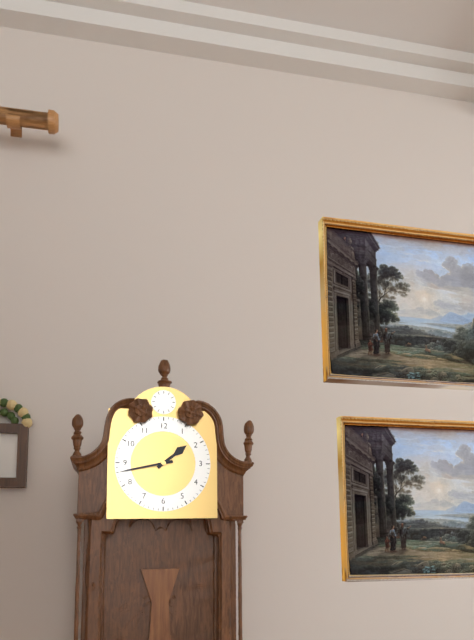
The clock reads 1.43
